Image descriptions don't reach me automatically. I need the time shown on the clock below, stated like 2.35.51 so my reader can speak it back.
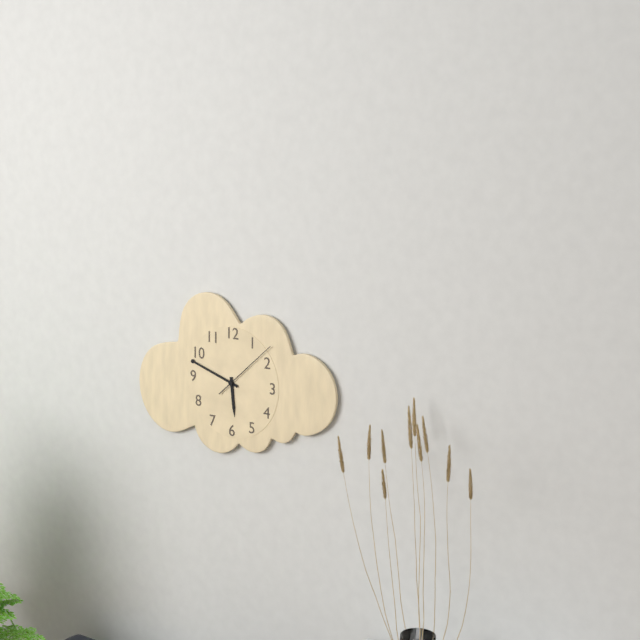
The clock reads 5.48.08
